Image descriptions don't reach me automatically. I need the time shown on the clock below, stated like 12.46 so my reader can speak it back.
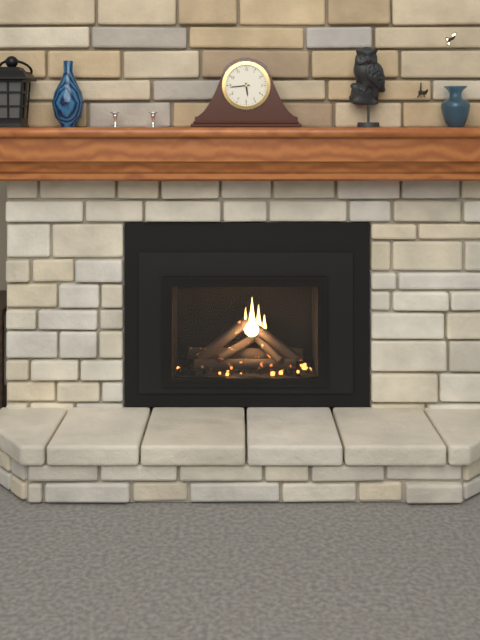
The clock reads 5.44
